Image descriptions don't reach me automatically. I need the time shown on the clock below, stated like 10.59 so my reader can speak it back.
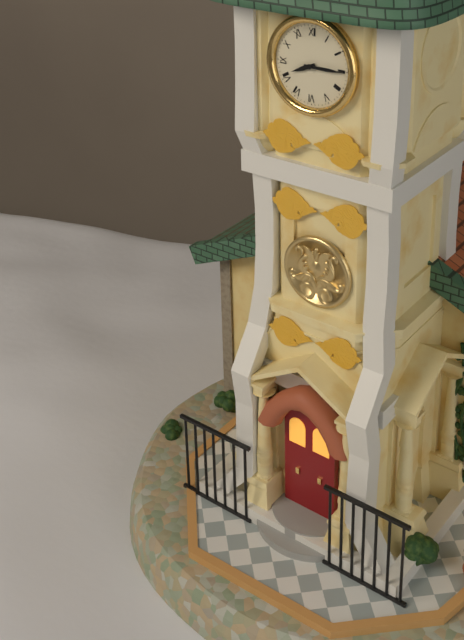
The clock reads 8.15
